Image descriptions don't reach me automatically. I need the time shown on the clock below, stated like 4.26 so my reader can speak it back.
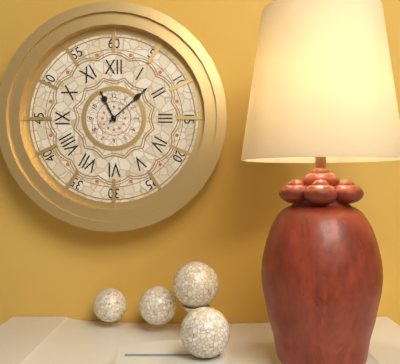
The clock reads 11.08
